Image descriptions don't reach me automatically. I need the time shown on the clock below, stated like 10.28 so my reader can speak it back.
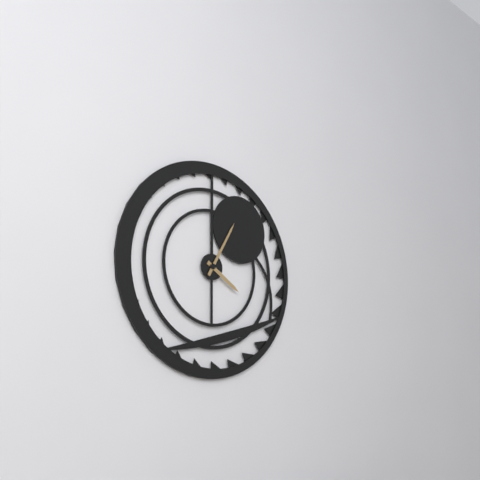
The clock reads 4.05
